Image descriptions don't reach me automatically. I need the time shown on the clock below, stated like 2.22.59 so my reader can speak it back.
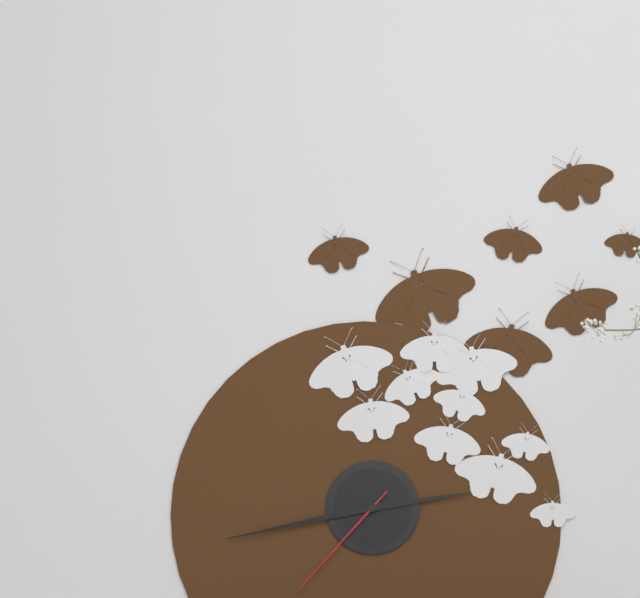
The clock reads 2.43.37
